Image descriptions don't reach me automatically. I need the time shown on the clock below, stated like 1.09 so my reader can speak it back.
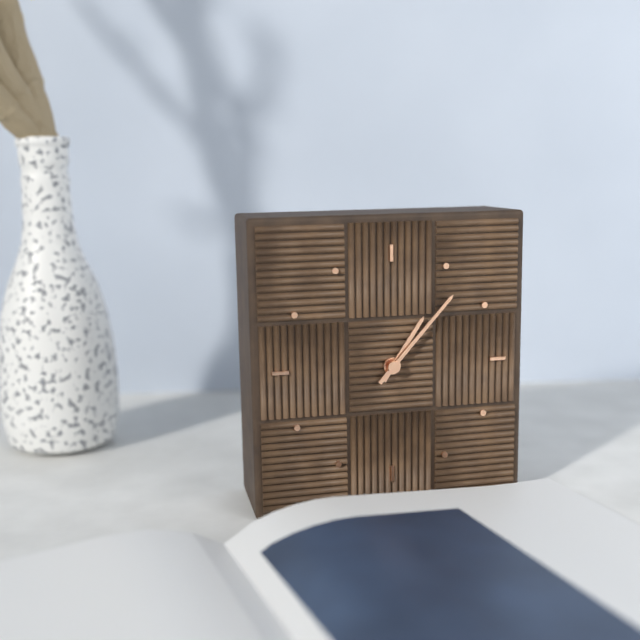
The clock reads 1.07
